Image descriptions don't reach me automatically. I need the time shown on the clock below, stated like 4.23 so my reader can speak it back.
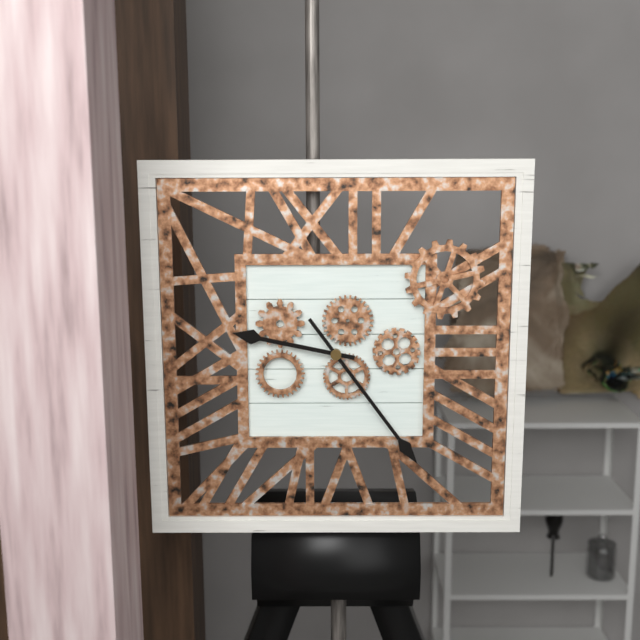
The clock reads 9.24
